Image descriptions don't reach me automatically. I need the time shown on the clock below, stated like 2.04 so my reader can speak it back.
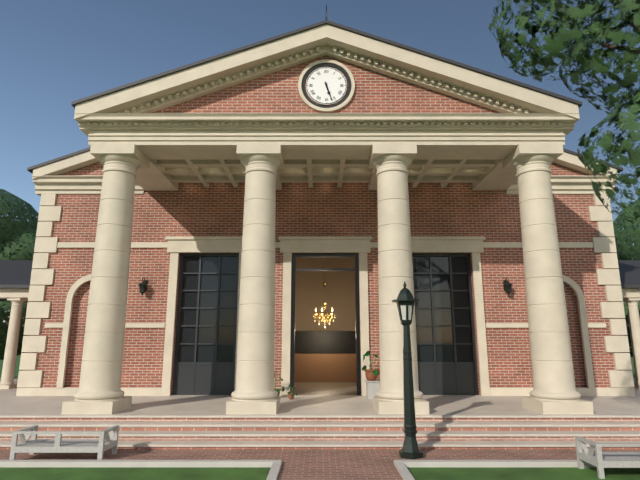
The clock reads 5.27
